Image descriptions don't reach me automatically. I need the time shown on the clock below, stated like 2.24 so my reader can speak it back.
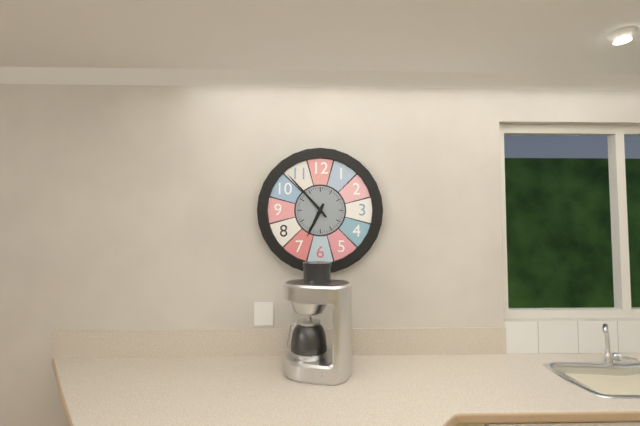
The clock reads 6.53
